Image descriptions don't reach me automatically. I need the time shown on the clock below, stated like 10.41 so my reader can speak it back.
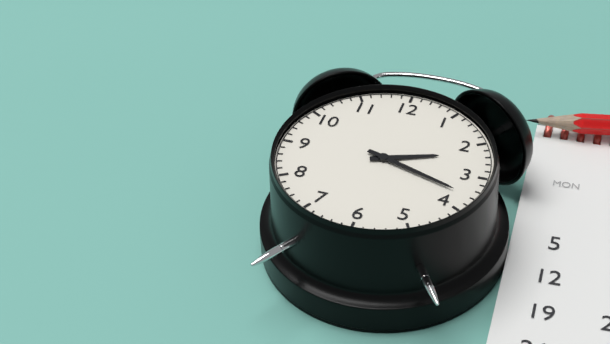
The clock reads 2.18
